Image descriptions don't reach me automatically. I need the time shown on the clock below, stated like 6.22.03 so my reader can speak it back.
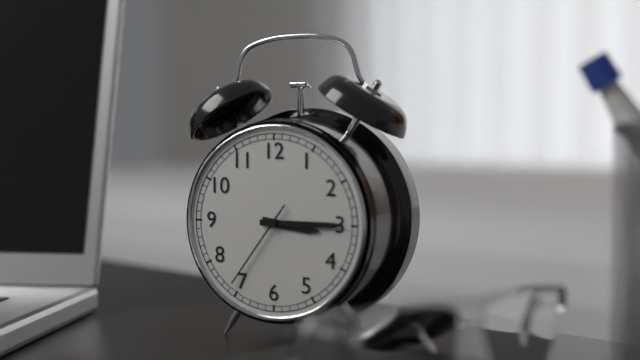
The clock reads 3.15.36
